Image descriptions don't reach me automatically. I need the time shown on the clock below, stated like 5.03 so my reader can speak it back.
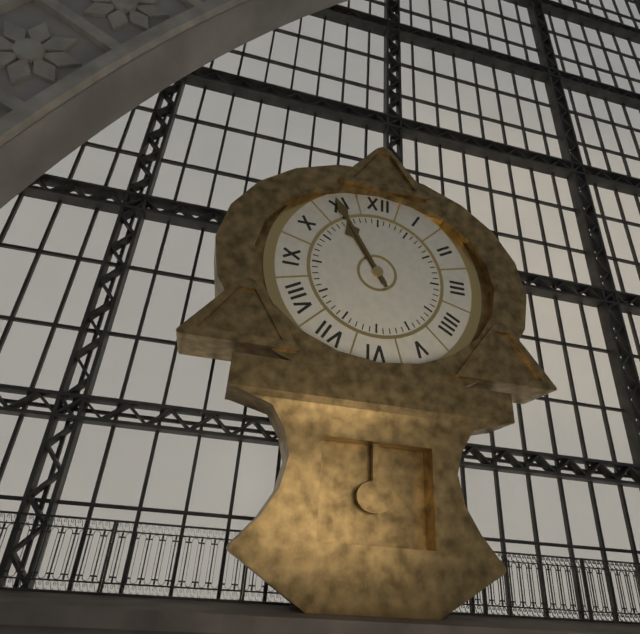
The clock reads 10.55
